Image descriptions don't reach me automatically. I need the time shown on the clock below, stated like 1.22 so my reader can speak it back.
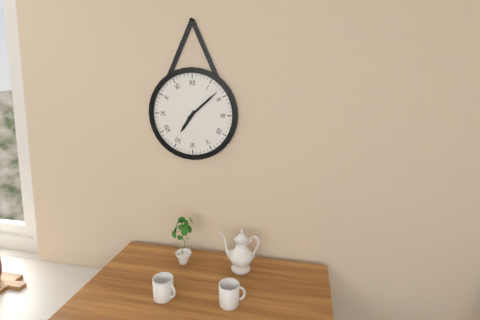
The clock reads 7.08
